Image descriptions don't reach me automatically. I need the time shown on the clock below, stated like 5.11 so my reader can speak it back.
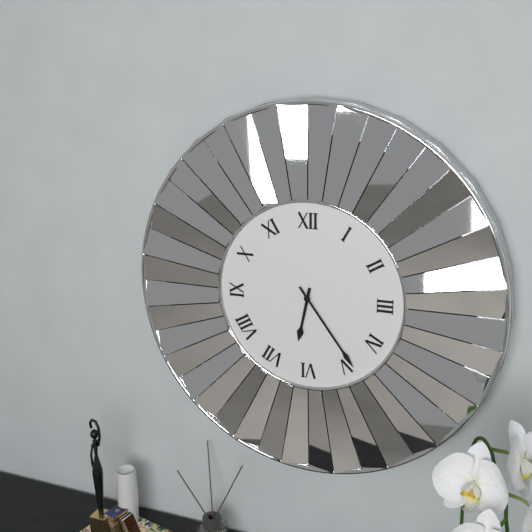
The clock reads 6.24
